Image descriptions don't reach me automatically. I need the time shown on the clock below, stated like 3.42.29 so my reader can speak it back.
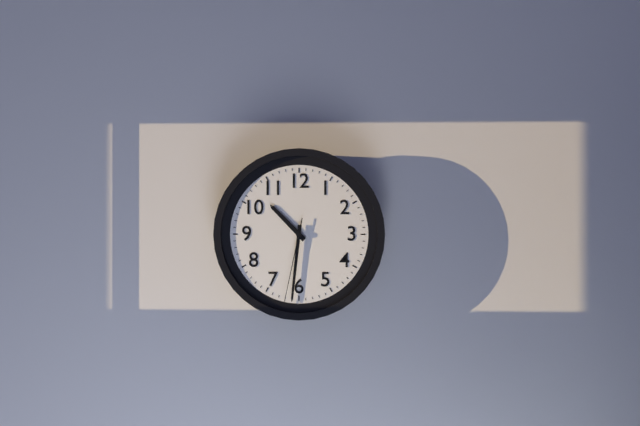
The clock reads 10.31.32
